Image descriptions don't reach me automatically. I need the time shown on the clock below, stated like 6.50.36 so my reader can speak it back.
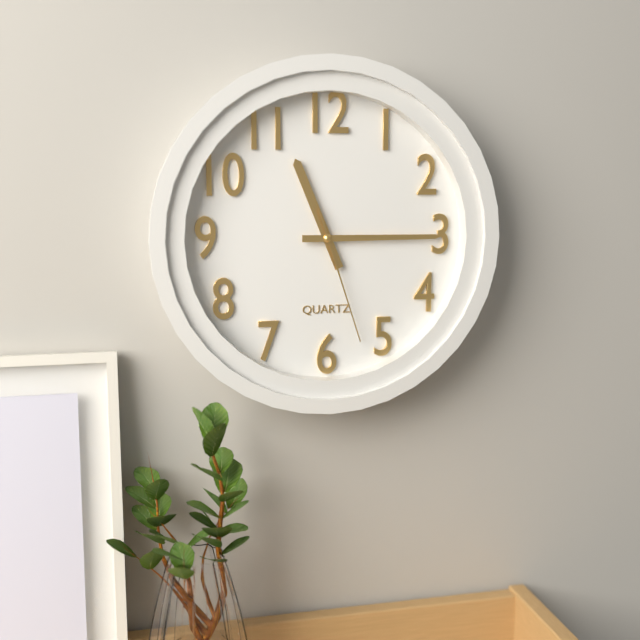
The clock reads 11.15.27
